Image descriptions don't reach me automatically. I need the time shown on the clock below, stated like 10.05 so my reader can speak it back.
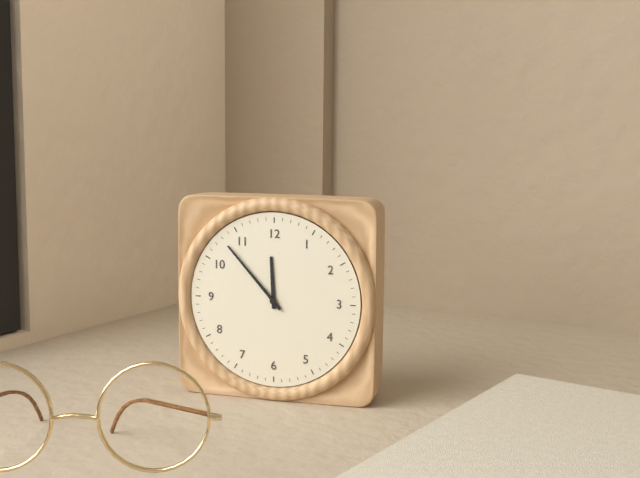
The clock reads 11.53
